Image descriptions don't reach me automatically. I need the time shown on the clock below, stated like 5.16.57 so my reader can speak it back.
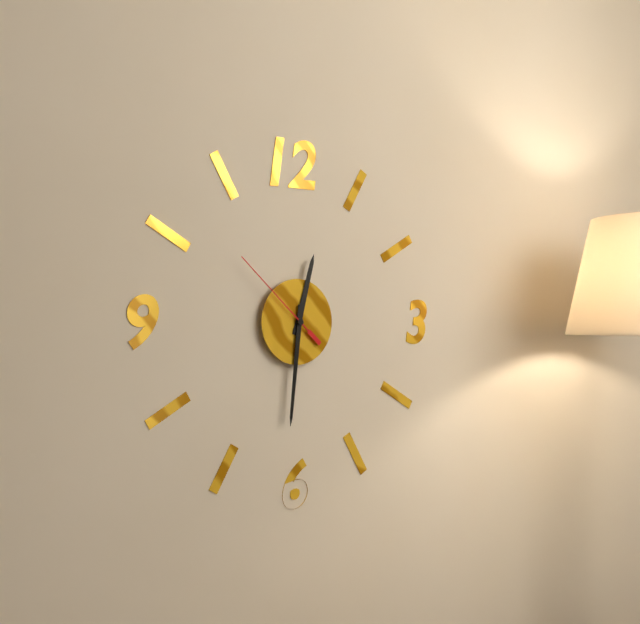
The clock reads 12.31.52
